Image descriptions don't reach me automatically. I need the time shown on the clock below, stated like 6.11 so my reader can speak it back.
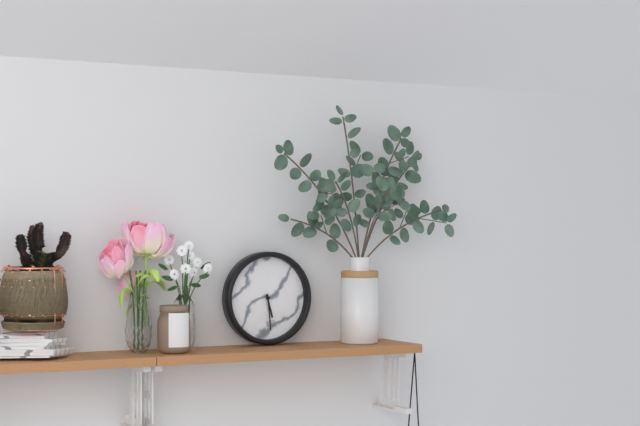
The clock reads 5.29
